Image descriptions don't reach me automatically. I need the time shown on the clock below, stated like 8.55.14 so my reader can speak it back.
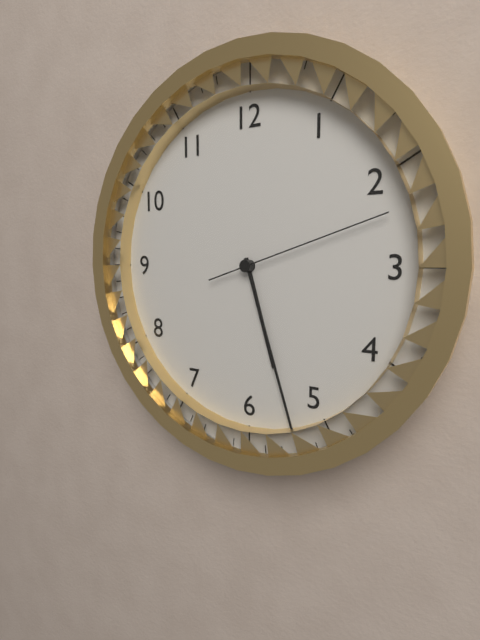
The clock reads 5.27.12
